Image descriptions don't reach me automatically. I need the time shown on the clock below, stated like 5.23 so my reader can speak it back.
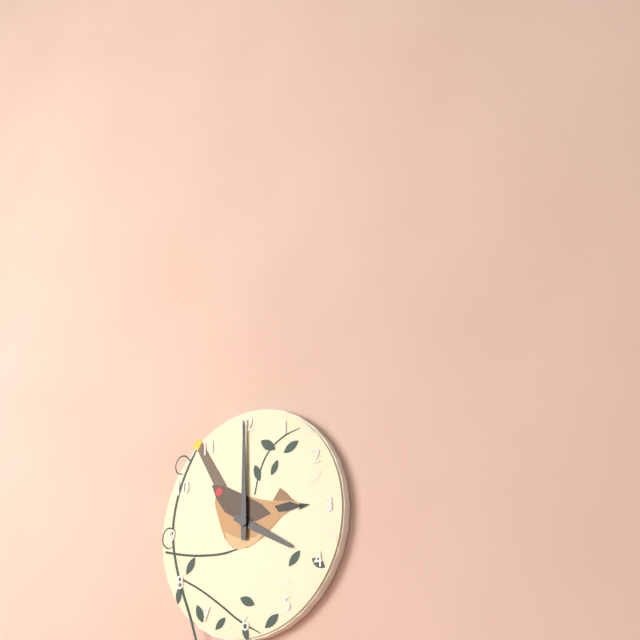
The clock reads 4.00
